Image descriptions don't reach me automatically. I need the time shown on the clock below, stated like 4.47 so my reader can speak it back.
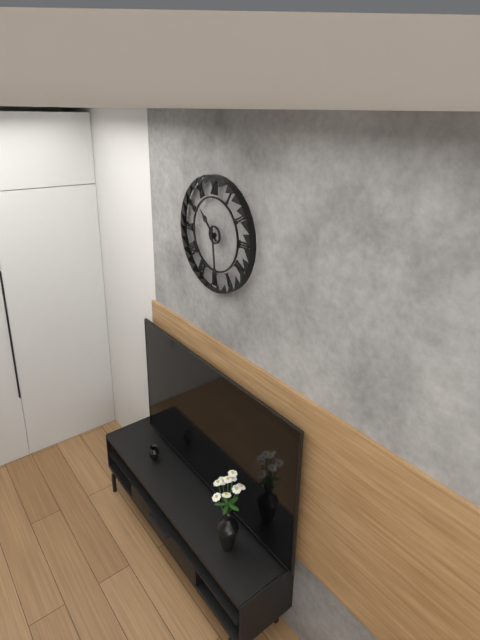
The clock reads 10.29
